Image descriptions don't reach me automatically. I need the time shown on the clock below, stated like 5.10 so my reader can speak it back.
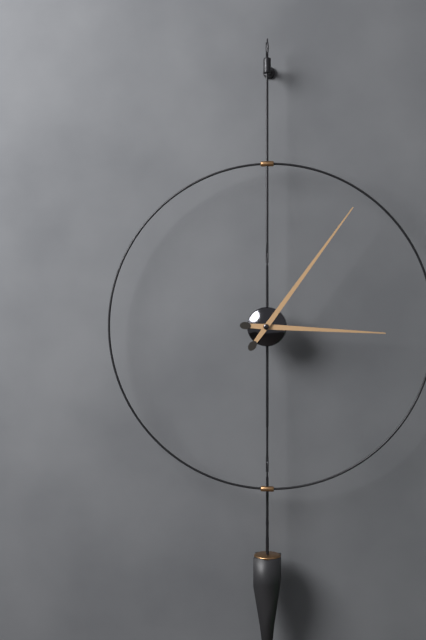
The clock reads 3.06
